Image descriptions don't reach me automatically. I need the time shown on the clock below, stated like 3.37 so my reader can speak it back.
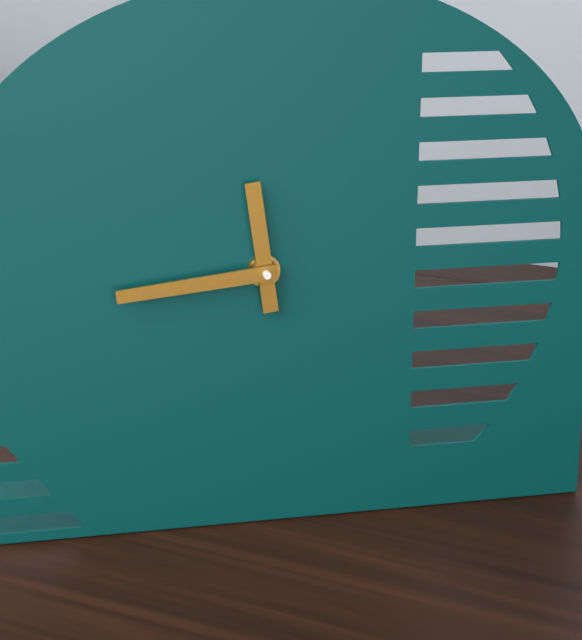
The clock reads 11.44
